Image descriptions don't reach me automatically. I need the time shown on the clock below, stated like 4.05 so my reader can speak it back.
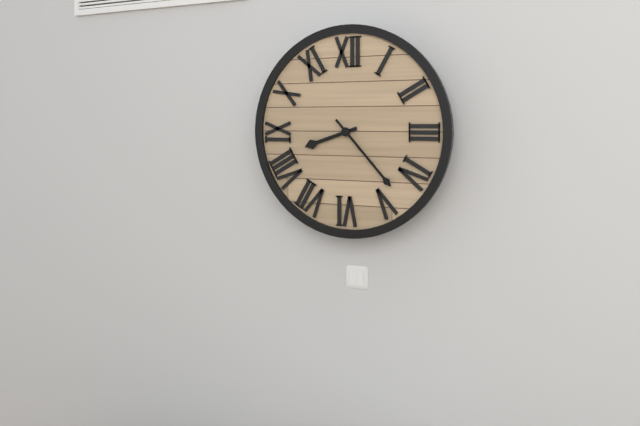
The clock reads 8.23
